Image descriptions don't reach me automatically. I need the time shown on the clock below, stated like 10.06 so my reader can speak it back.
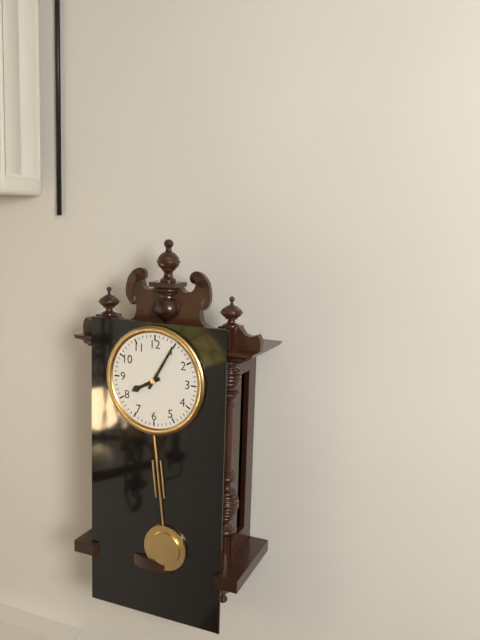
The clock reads 8.05
